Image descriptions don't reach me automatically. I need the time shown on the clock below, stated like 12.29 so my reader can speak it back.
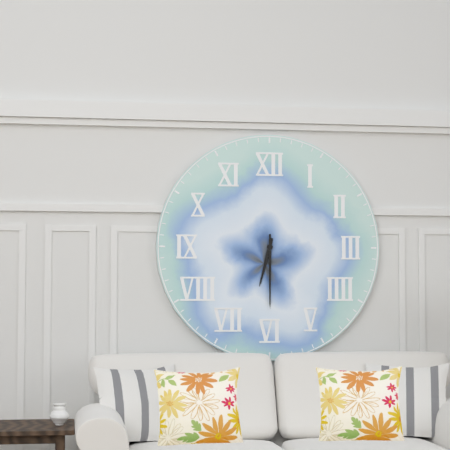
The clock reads 6.30
